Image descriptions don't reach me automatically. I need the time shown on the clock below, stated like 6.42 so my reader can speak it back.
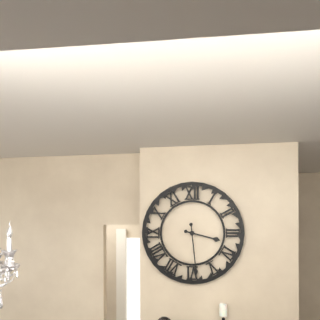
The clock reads 3.29
